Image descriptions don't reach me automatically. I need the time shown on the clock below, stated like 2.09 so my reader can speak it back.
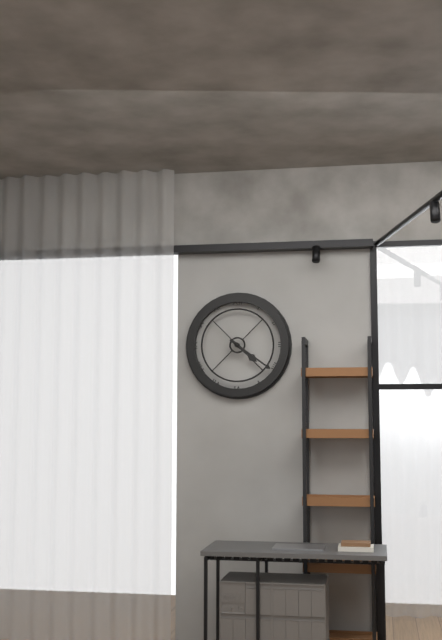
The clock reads 4.21
